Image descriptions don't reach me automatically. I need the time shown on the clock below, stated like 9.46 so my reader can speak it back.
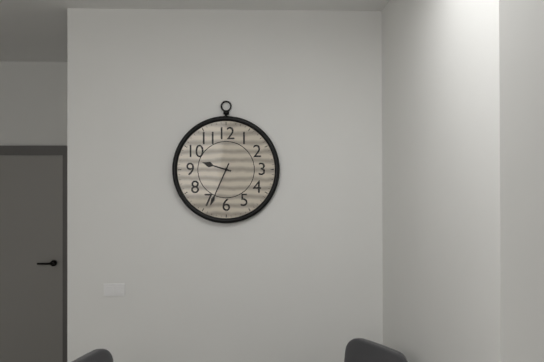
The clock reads 9.34
